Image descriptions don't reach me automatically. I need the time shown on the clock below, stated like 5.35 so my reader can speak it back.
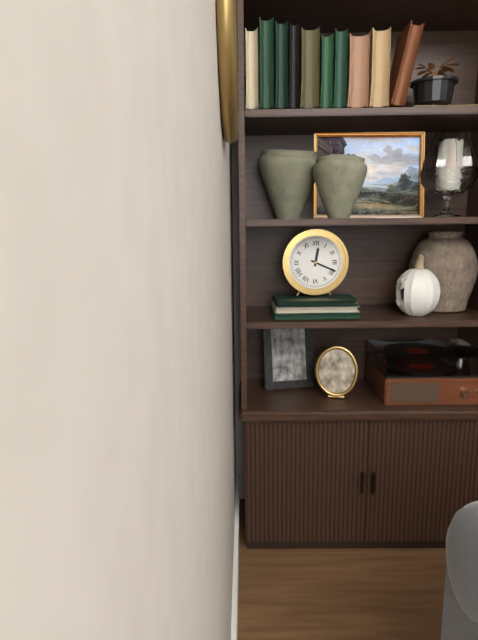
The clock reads 12.19
